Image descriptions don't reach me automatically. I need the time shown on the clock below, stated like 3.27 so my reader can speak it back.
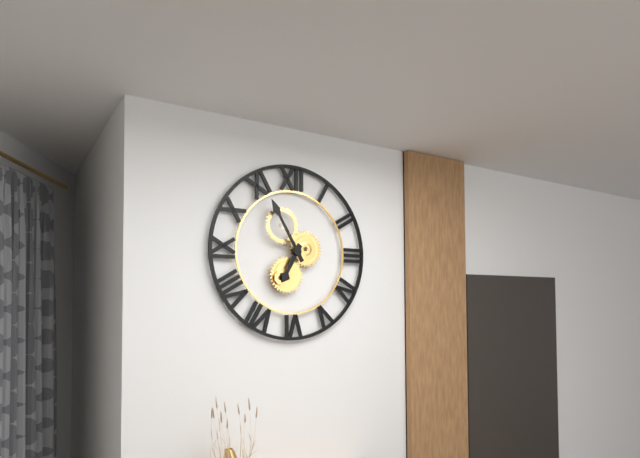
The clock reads 6.55
